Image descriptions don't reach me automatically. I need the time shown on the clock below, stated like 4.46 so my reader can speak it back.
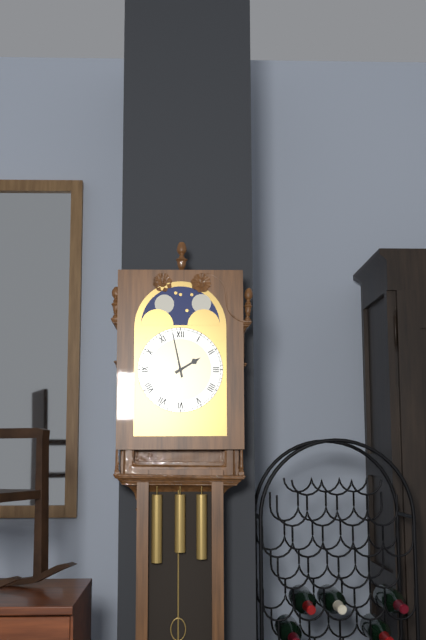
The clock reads 1.58
